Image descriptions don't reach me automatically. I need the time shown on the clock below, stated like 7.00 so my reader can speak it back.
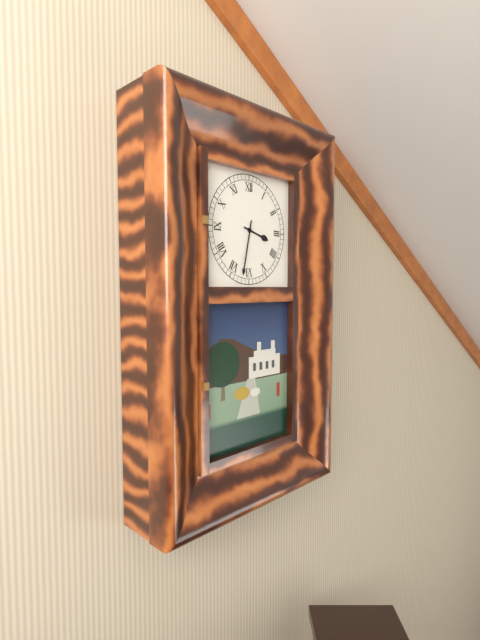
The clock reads 3.32
